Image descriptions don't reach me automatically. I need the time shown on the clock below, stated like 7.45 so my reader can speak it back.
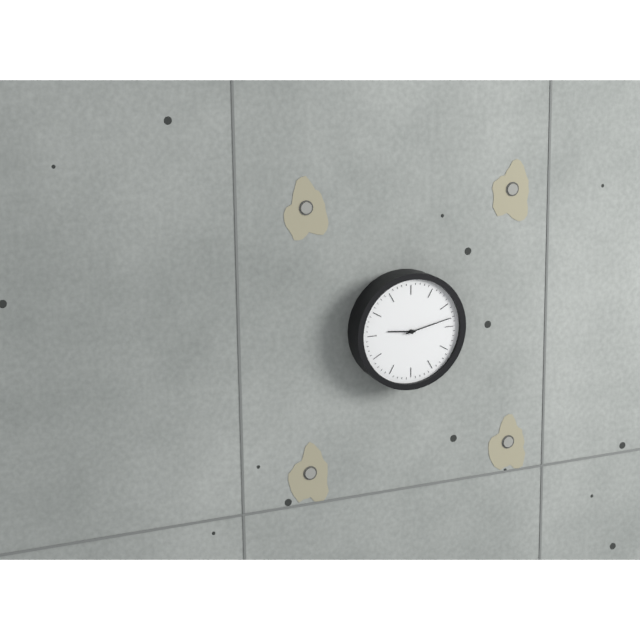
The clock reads 9.13
